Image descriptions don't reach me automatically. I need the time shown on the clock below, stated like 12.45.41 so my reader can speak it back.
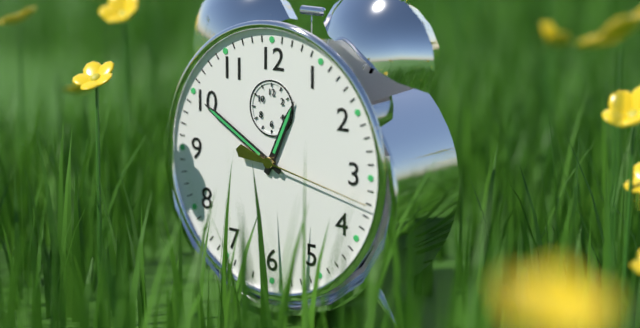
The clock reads 12.50.17
